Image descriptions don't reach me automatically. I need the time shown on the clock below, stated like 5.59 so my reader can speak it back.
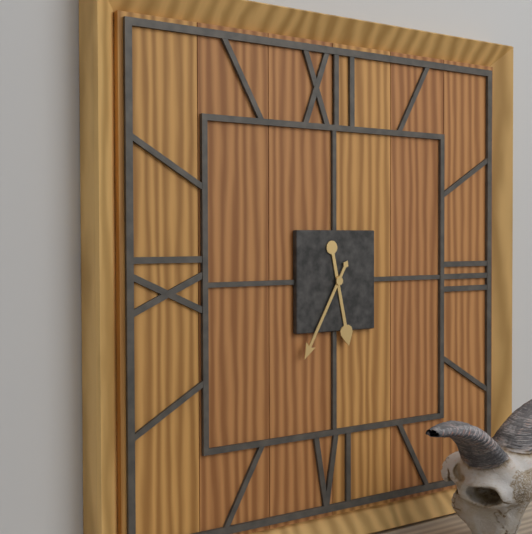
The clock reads 5.35
